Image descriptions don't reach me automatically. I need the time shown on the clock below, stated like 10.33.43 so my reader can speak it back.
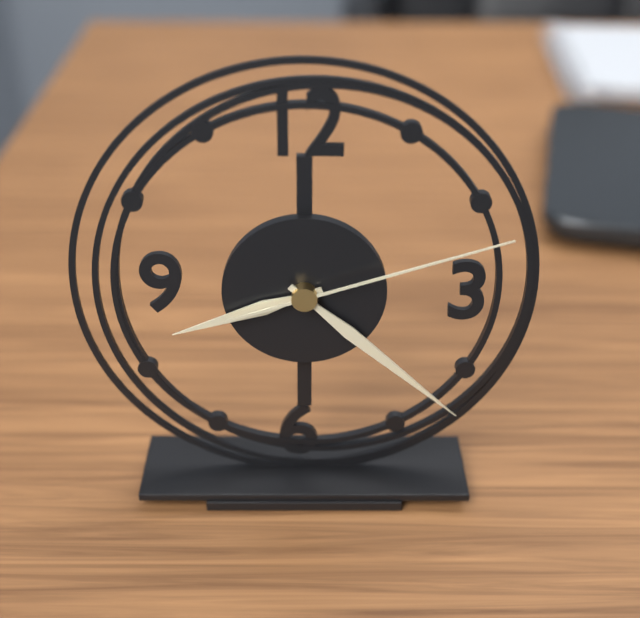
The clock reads 8.22.12
